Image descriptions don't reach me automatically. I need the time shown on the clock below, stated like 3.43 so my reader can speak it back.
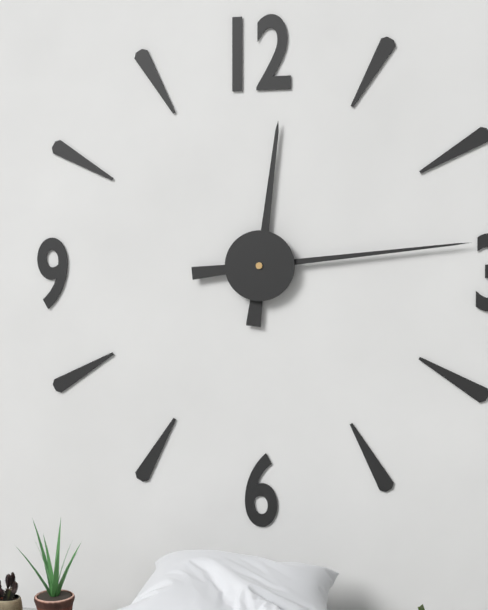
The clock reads 12.14
